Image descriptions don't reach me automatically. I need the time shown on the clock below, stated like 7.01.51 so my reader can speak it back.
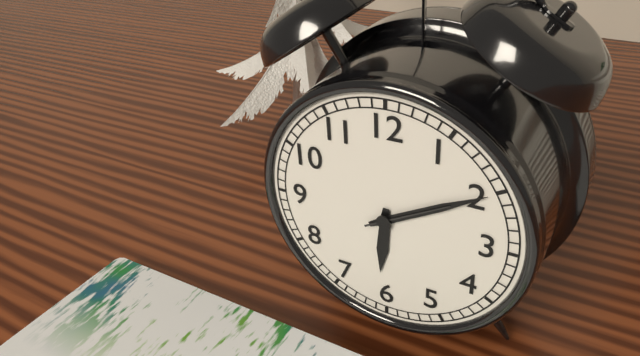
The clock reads 6.10.10
